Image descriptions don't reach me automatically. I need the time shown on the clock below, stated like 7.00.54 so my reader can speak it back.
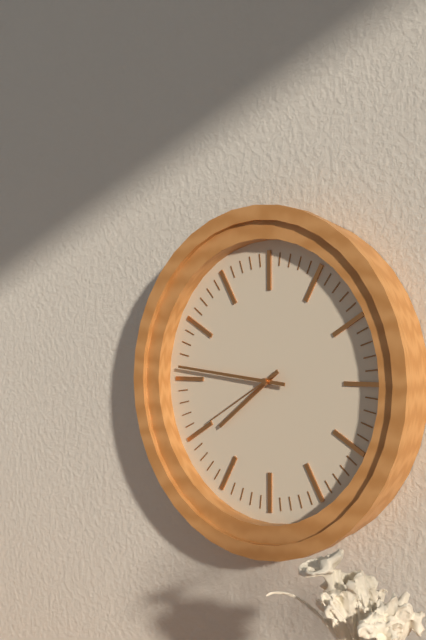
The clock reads 7.46.40
